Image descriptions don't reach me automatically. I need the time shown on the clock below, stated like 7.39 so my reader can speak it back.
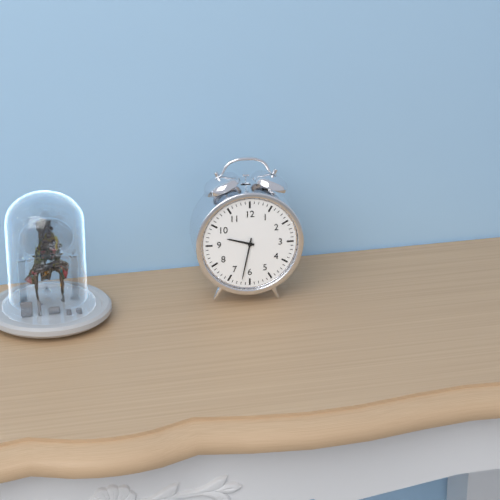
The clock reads 9.32
